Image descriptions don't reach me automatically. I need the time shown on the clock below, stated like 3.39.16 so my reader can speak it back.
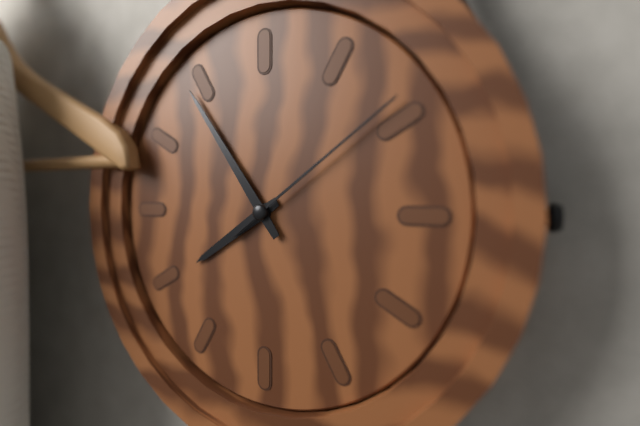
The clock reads 7.54.09
